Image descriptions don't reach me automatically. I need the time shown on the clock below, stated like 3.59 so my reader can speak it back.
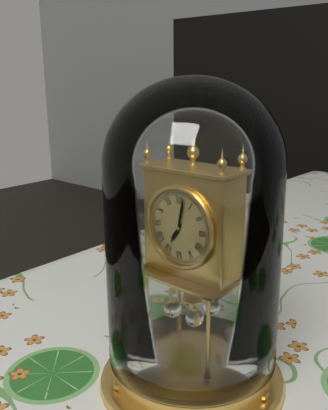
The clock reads 7.02
